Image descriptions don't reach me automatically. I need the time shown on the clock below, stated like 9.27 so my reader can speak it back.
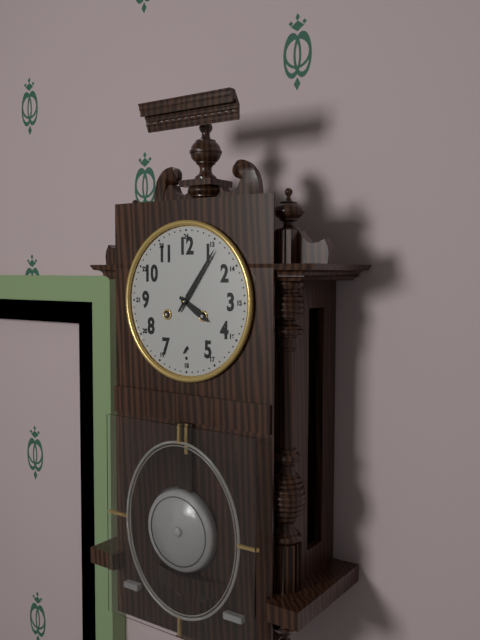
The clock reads 4.06
